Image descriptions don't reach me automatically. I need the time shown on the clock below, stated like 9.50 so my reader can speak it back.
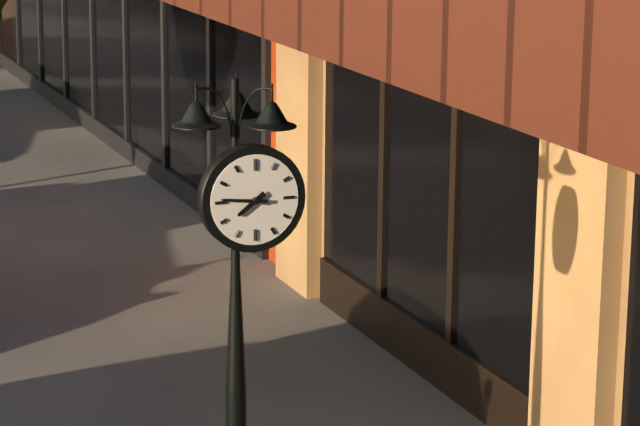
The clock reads 7.46
